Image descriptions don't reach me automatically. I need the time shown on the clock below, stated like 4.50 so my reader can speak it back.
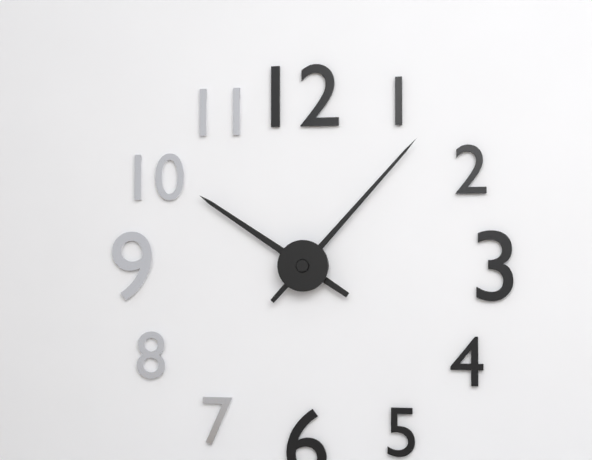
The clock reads 10.07
